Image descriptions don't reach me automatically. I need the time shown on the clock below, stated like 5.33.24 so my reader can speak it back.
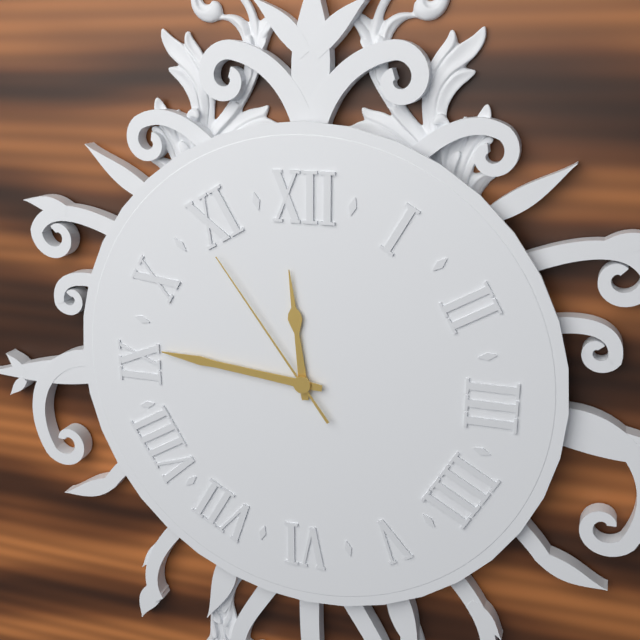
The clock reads 11.46.54
